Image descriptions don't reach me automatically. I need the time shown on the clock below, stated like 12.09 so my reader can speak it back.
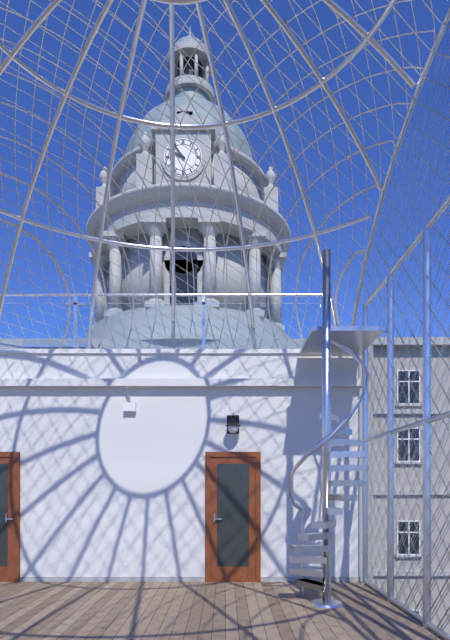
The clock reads 9.54
